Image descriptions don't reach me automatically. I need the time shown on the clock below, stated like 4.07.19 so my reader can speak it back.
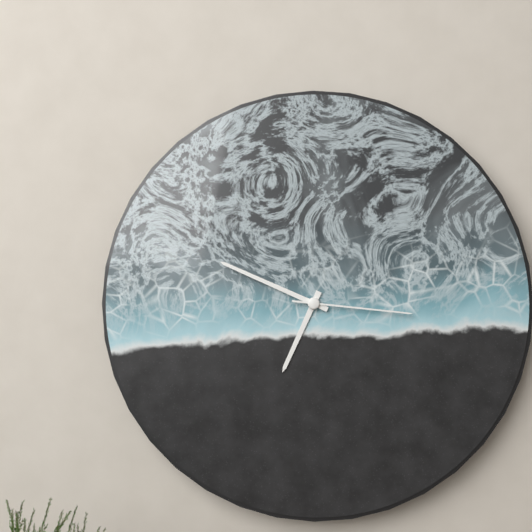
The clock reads 6.49.16
